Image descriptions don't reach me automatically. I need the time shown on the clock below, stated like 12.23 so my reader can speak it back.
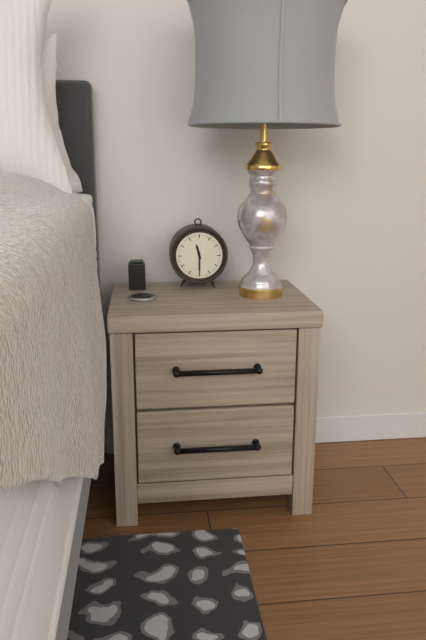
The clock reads 11.30
